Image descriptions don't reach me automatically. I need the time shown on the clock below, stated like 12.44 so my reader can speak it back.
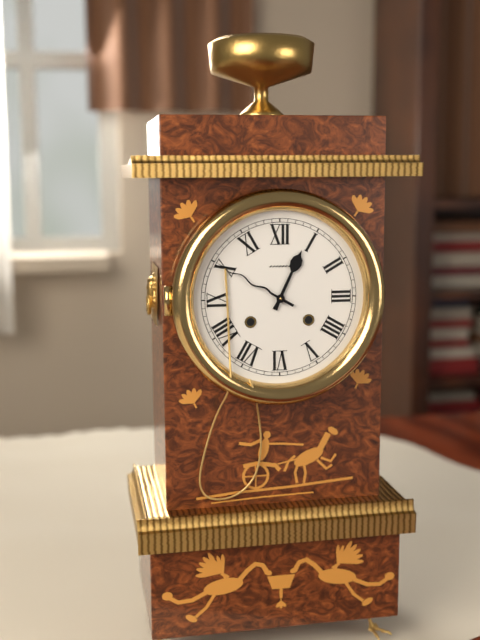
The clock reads 12.50
